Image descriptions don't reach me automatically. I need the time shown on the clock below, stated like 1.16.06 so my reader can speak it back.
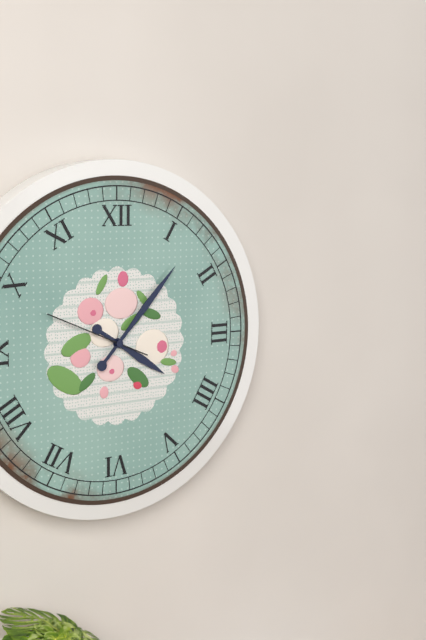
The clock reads 4.07.49
